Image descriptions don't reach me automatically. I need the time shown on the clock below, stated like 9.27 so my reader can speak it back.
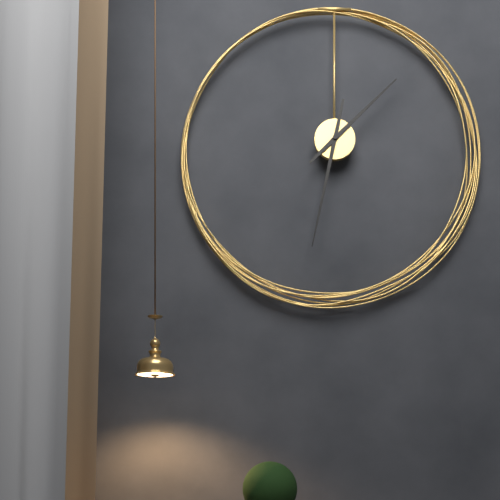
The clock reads 1.32
